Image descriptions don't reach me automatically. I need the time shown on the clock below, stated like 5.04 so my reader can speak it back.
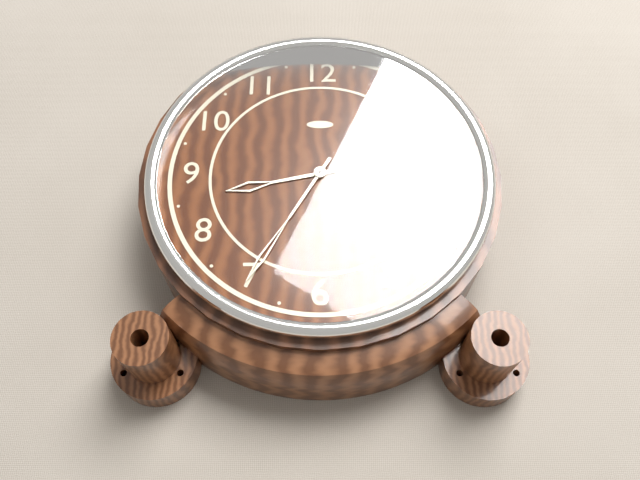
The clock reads 8.35
